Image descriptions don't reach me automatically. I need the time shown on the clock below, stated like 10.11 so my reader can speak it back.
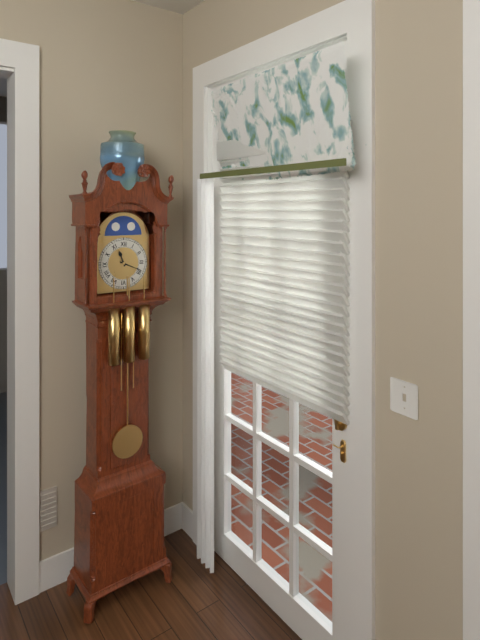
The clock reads 11.19
